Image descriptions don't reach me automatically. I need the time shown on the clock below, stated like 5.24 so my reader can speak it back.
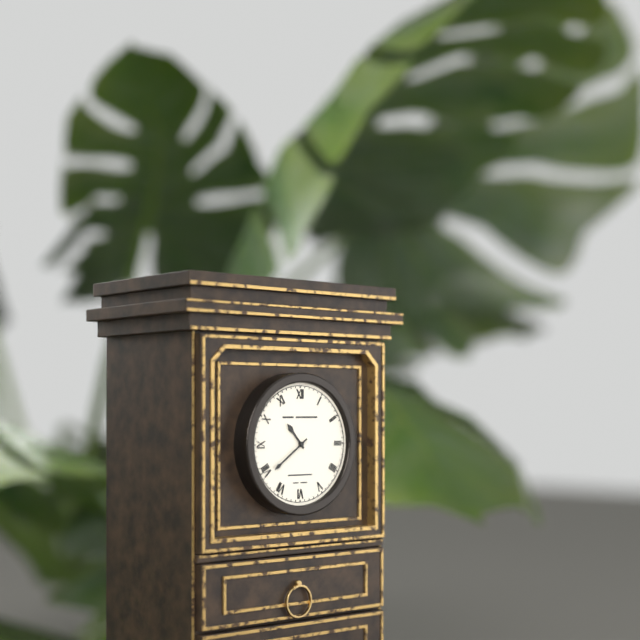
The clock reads 10.39
